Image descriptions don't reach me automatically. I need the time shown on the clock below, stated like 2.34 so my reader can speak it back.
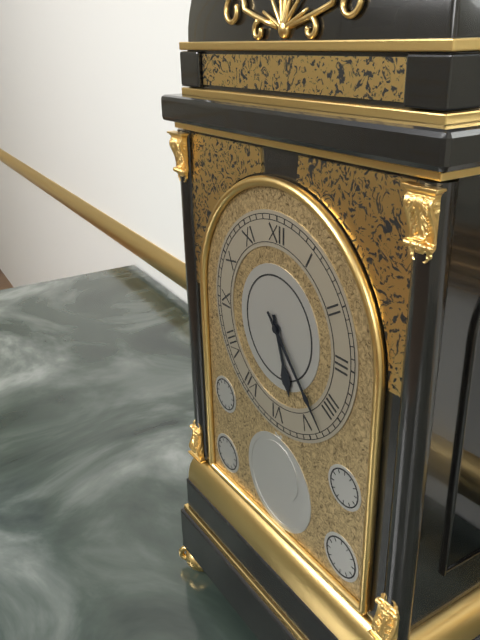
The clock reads 5.23
